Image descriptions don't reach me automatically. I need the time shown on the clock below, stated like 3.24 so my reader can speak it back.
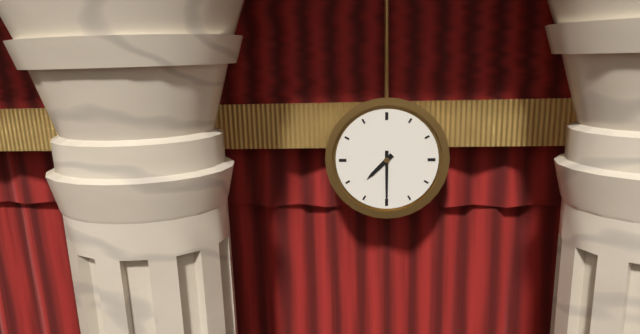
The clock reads 7.30
